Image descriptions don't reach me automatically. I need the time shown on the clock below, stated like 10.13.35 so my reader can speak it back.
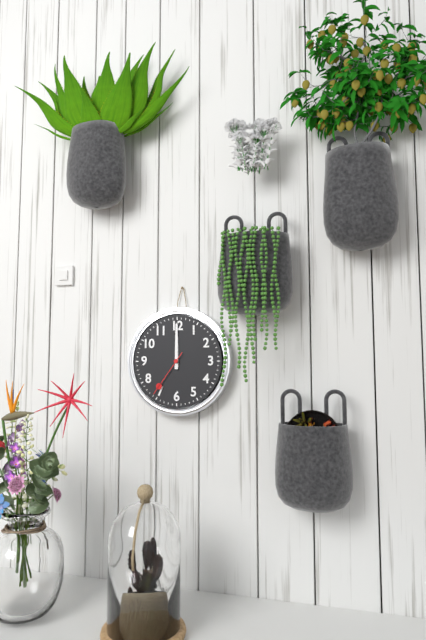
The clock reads 12.00.36
